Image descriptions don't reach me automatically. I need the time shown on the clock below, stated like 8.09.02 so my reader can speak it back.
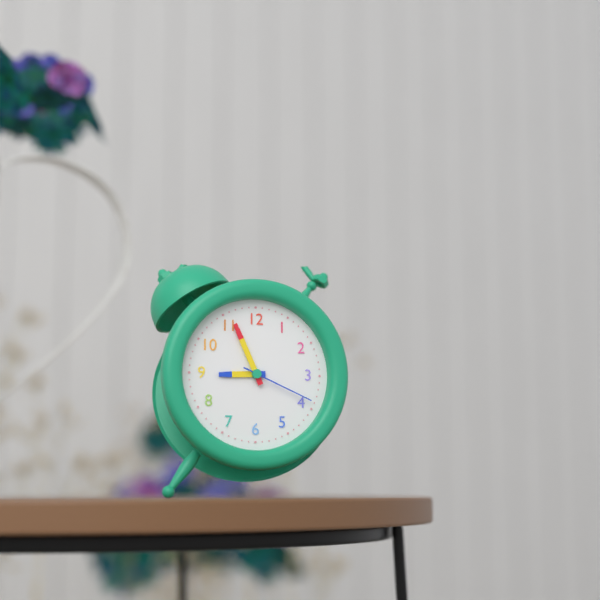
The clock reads 8.56.19
